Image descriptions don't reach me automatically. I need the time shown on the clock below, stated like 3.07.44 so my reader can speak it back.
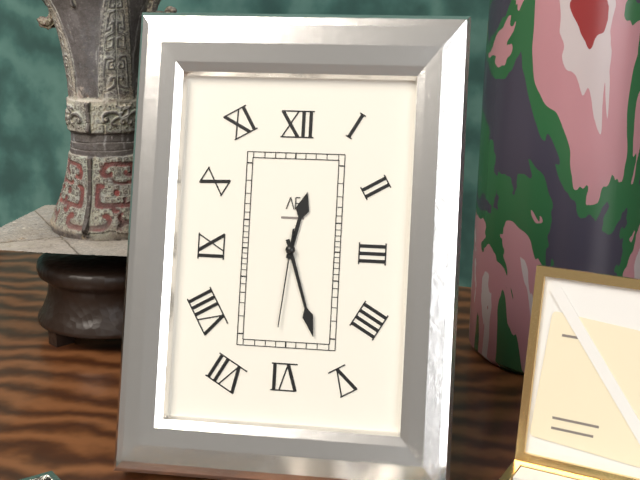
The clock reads 12.27.31
